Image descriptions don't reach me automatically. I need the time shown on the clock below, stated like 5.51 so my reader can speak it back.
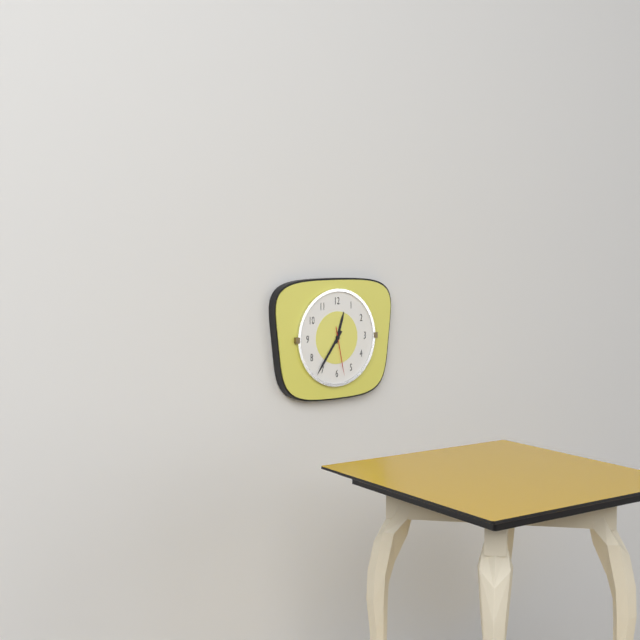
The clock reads 12.36
